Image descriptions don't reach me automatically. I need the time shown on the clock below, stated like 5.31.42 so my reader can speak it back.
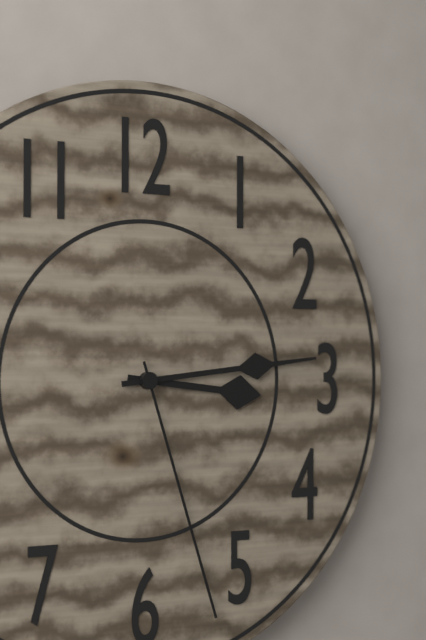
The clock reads 3.14.27
